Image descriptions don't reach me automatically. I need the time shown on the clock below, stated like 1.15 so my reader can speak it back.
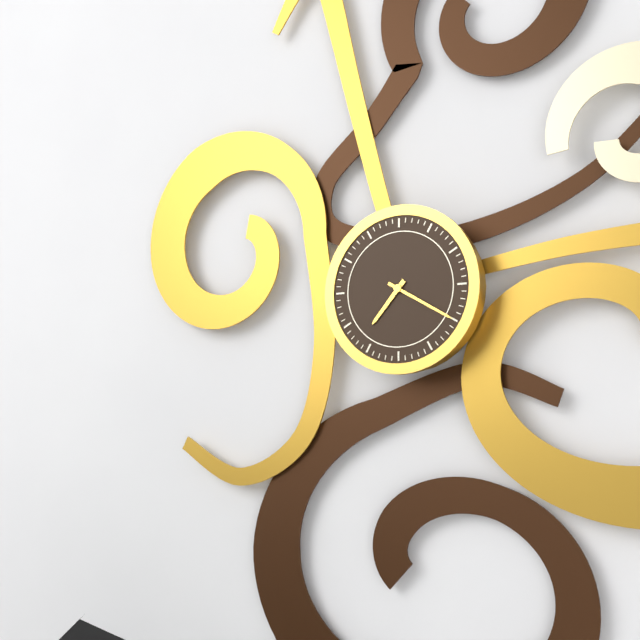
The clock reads 7.20
